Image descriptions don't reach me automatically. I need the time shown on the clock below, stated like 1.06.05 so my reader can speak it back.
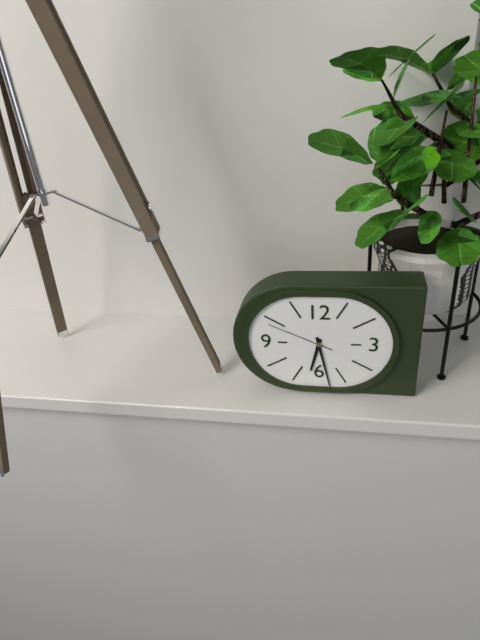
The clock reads 6.28.49
